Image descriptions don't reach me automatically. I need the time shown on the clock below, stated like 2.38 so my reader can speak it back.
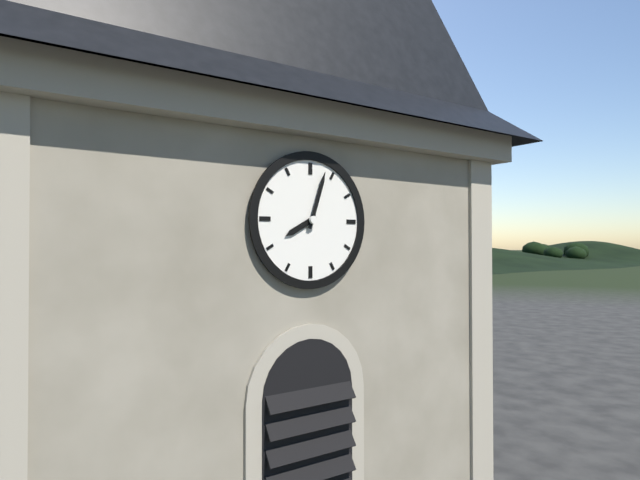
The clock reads 8.03
